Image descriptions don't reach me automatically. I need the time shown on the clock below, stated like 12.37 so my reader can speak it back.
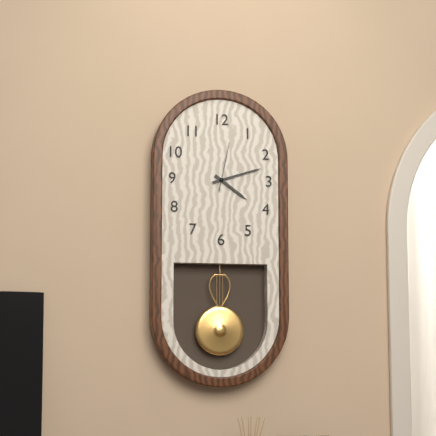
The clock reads 4.12
